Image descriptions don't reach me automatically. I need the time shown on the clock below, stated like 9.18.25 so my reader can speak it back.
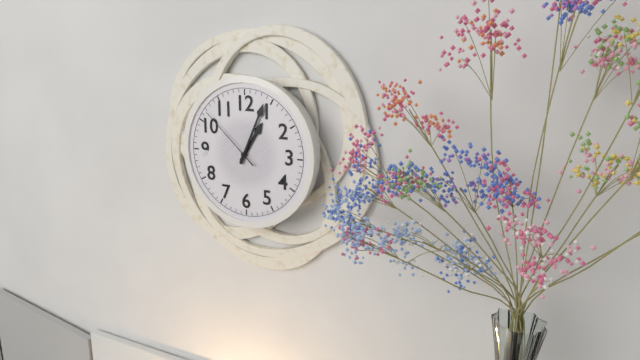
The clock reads 1.04.52
